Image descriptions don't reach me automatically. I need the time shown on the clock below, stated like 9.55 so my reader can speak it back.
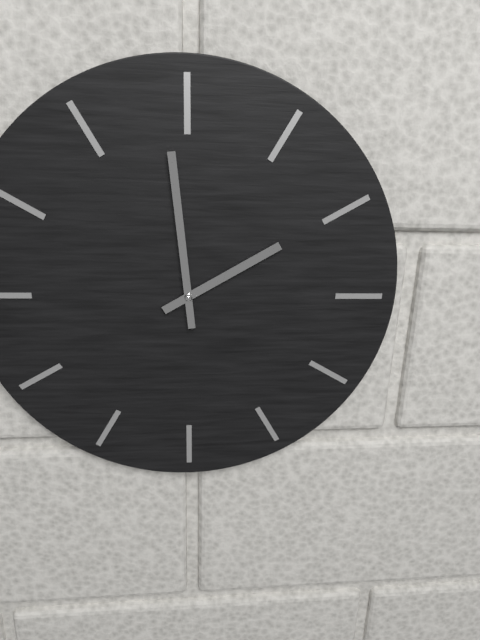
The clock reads 1.59
